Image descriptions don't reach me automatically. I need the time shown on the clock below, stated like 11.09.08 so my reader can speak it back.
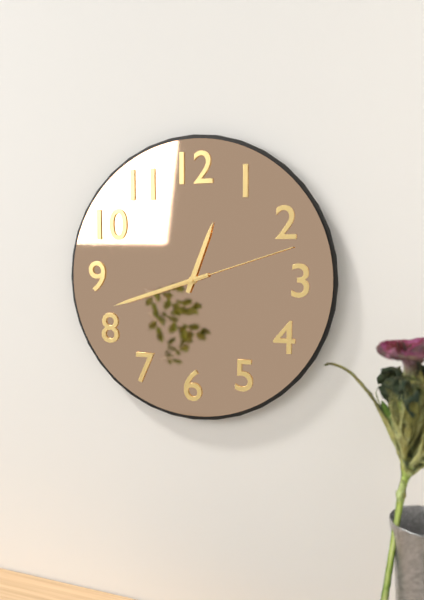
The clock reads 12.42.12
